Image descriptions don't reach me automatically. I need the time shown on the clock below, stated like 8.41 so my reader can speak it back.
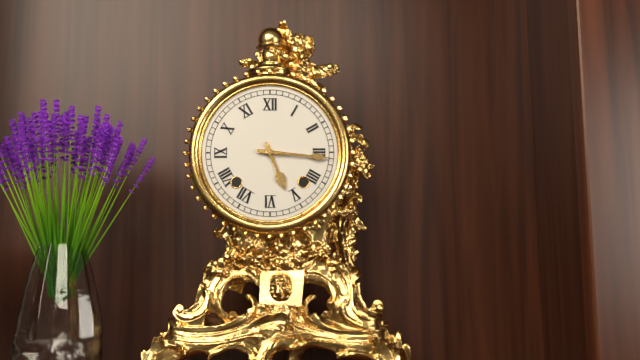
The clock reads 5.16
